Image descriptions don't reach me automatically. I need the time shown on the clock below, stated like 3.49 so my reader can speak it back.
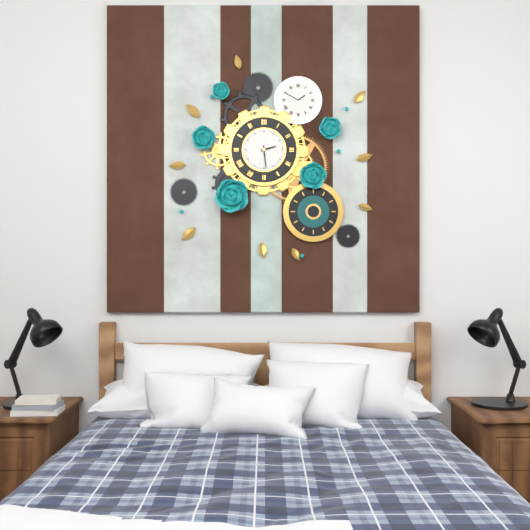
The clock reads 2.29
